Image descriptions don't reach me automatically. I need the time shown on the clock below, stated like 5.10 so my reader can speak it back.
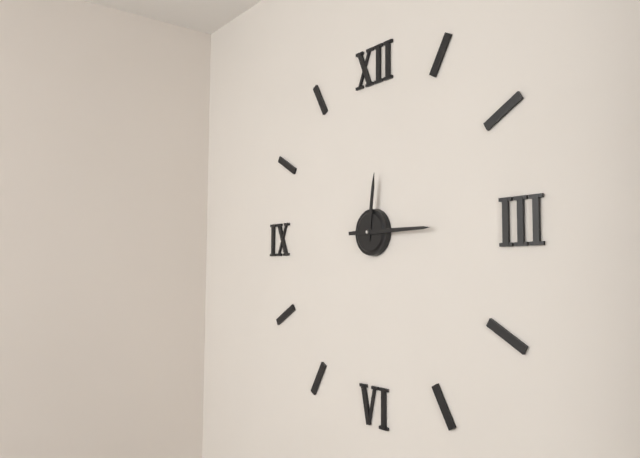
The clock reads 12.15
